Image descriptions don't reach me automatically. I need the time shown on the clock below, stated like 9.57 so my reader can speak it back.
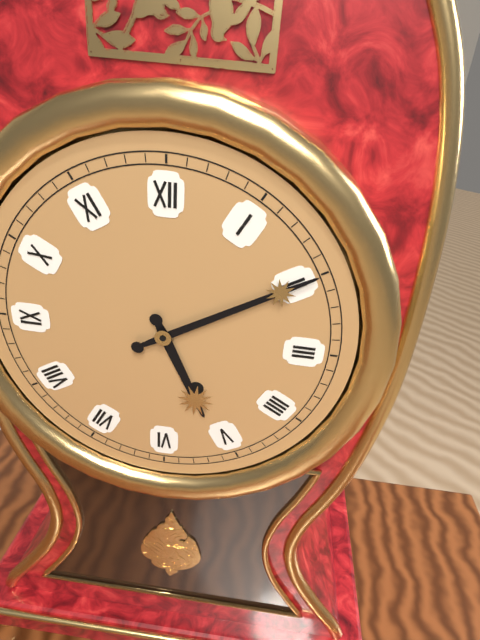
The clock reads 5.10
